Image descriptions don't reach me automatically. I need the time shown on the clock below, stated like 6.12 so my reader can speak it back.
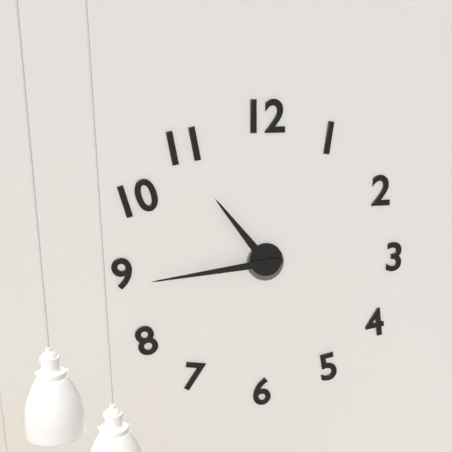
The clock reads 10.44
